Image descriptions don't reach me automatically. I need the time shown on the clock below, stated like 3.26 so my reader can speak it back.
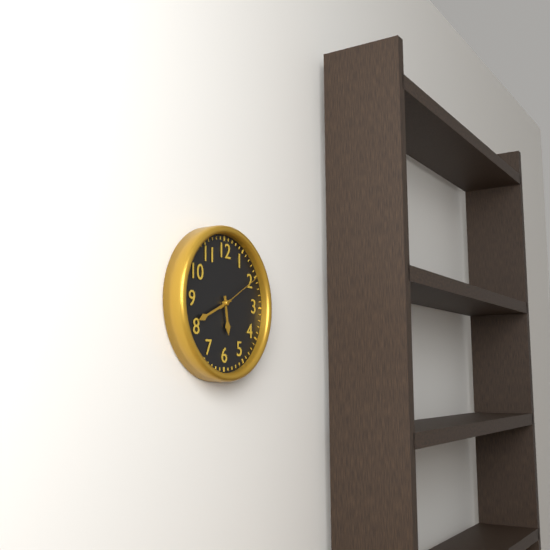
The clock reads 5.41
